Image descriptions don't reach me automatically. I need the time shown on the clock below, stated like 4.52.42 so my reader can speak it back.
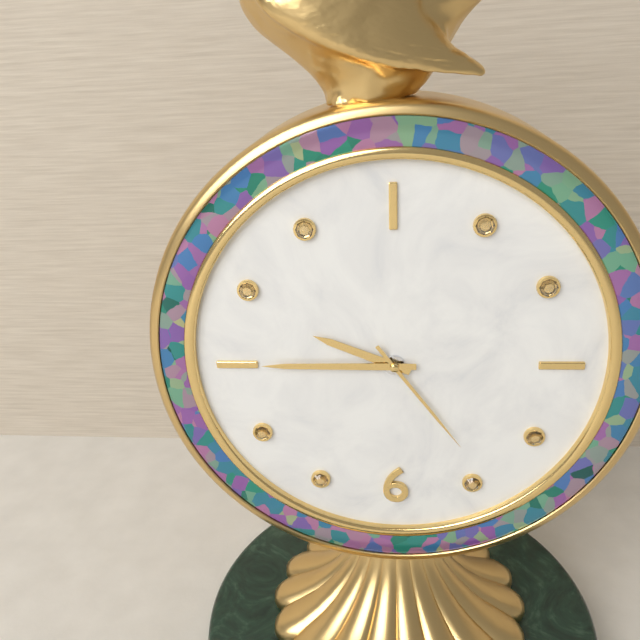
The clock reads 9.45.24
